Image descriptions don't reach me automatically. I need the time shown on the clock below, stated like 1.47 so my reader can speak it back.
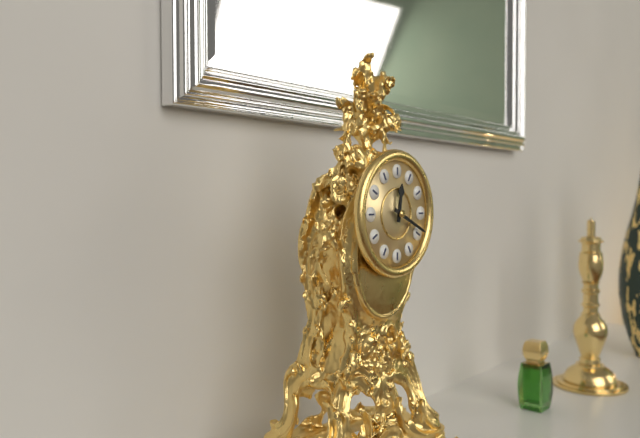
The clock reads 12.19
